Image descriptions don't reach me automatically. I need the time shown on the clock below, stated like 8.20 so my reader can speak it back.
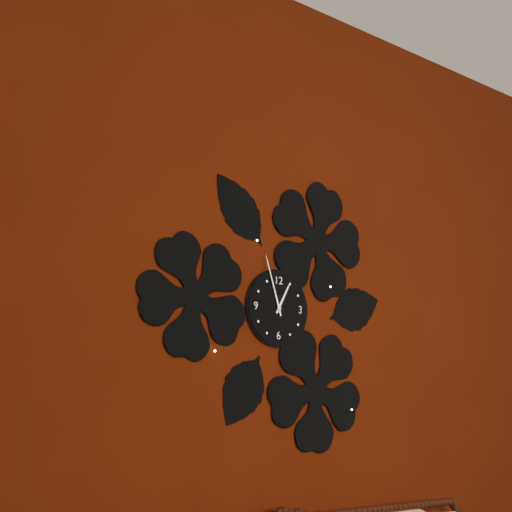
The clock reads 12.57
